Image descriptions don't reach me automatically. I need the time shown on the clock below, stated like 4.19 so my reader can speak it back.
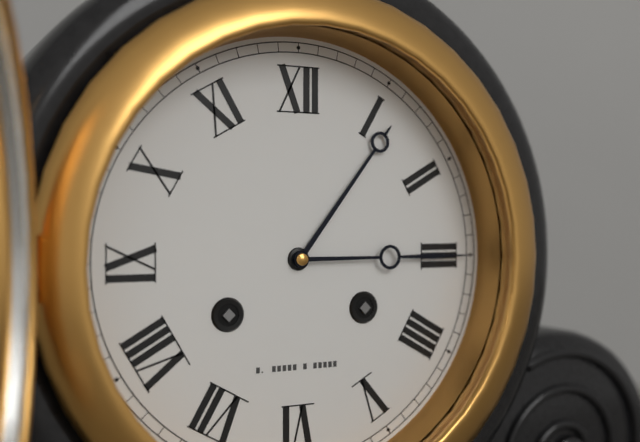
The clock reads 1.15
